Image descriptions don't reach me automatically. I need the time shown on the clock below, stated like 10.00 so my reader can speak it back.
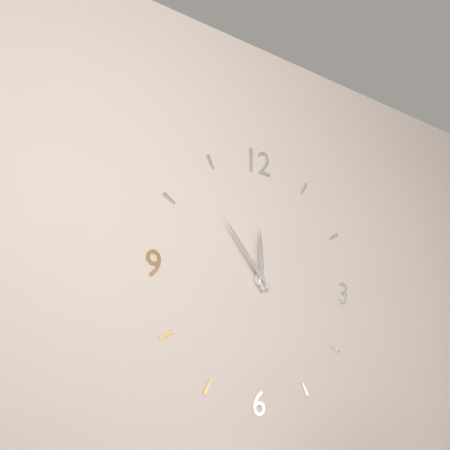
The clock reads 11.53
